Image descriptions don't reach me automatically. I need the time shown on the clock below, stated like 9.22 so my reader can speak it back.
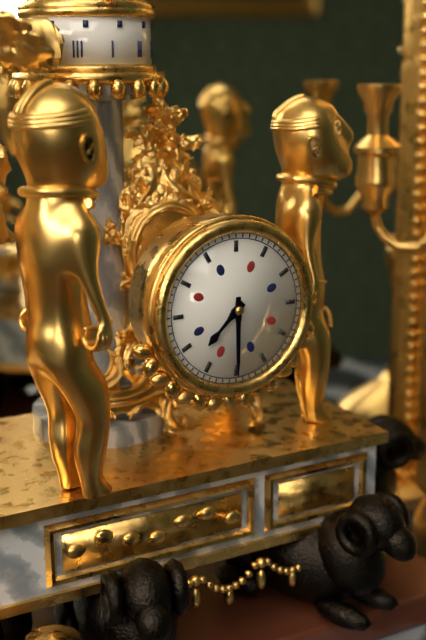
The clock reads 7.30
